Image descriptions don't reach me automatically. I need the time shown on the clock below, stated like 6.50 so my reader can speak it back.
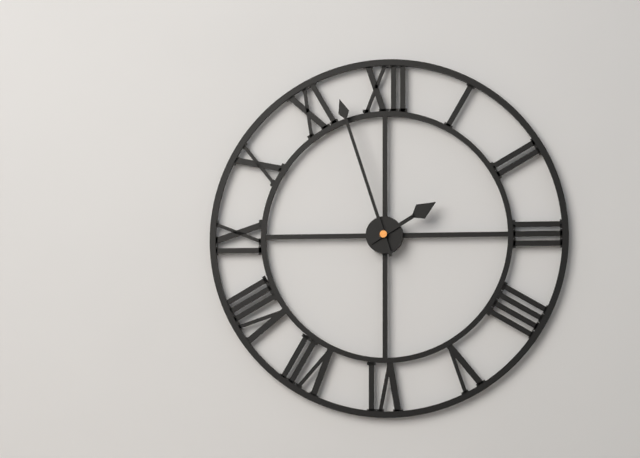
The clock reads 1.57
